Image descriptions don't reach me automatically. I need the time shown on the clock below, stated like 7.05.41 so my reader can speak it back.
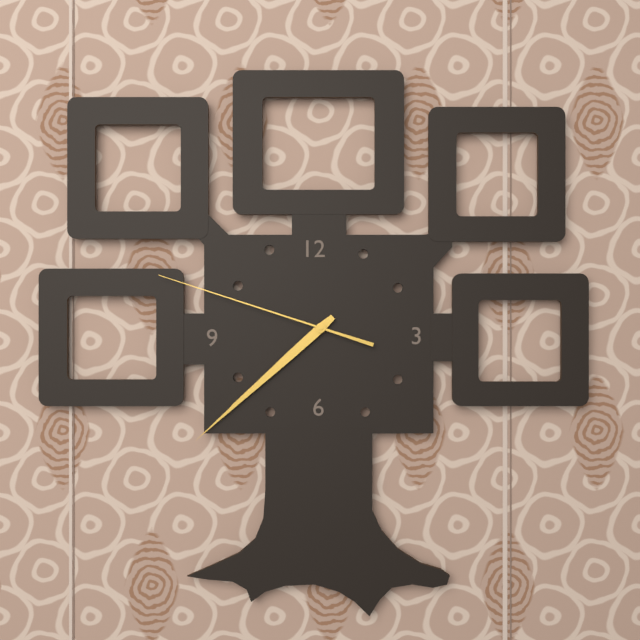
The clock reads 7.38.48
